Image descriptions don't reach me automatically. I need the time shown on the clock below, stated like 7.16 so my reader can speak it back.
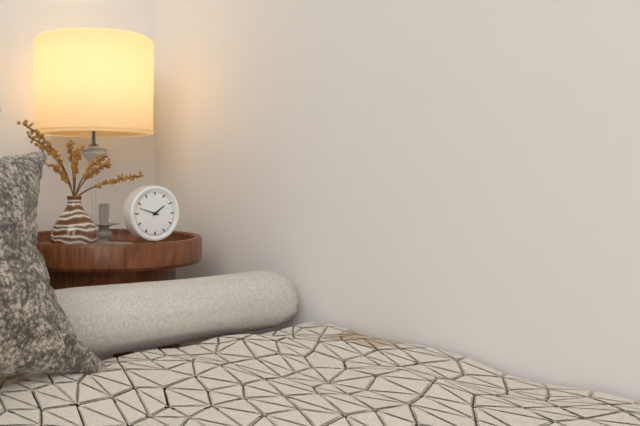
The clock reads 1.48
